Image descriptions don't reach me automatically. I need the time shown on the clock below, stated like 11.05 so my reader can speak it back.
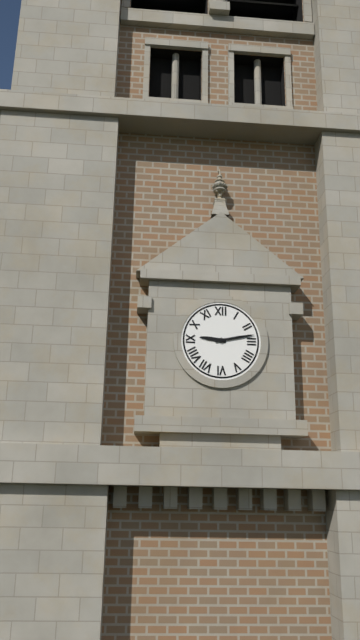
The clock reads 9.13
